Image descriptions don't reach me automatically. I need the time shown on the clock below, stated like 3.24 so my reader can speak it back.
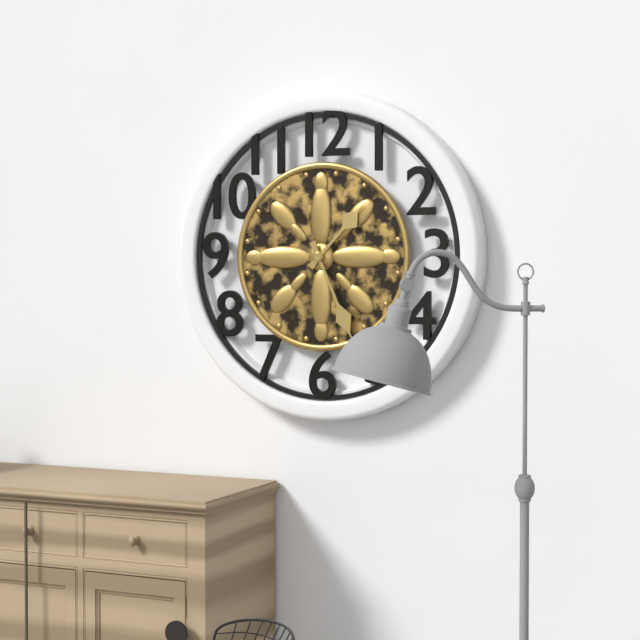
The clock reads 1.26
